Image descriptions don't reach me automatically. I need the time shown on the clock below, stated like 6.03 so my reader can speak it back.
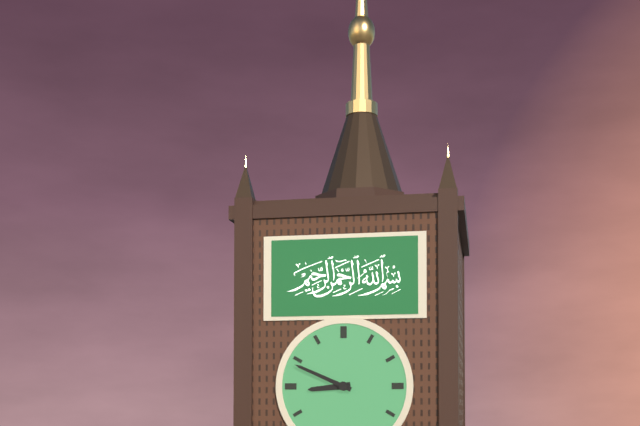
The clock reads 8.49
